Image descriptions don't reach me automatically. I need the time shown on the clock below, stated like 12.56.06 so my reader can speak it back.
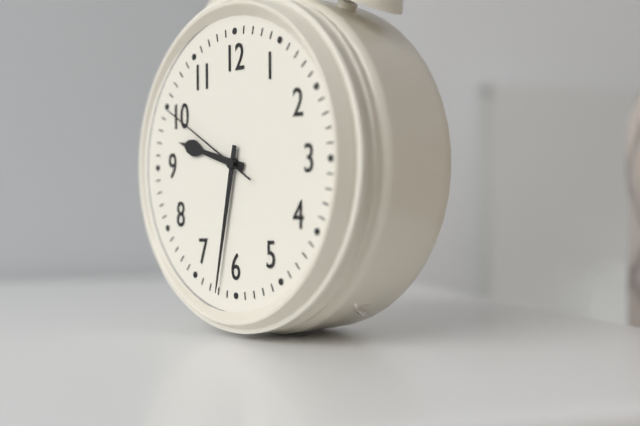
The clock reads 9.32.50
